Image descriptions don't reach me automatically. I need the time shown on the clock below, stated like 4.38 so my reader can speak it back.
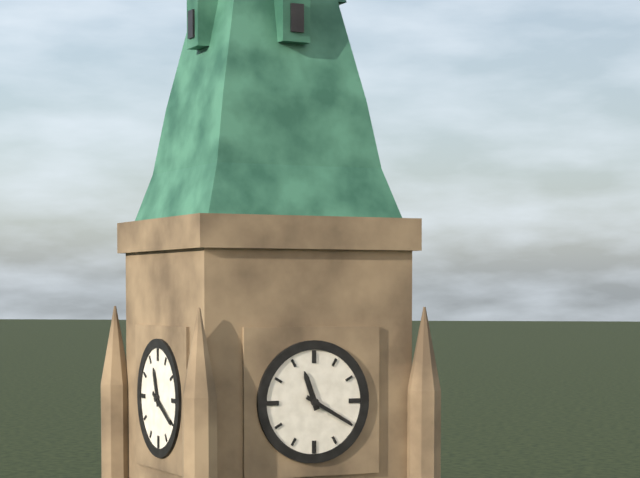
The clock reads 11.20
